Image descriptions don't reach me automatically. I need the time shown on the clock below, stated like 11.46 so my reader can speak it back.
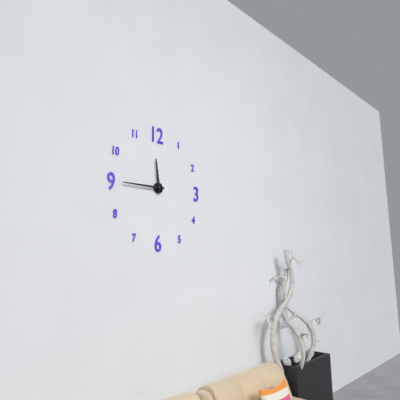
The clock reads 11.45
